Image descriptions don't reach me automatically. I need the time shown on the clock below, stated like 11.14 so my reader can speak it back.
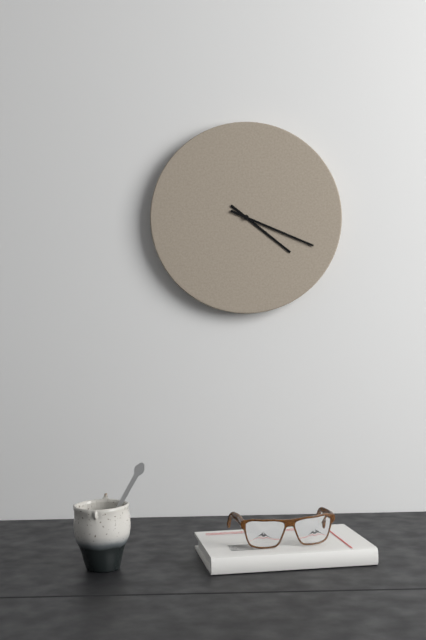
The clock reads 4.19
